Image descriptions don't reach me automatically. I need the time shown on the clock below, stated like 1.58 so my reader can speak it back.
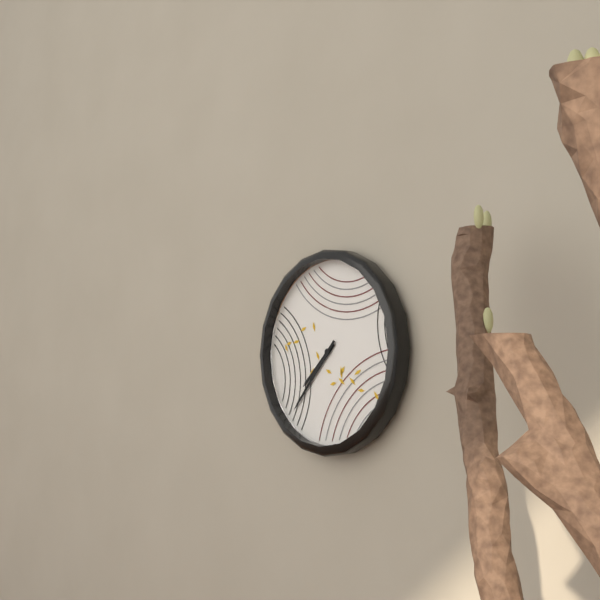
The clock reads 7.37
